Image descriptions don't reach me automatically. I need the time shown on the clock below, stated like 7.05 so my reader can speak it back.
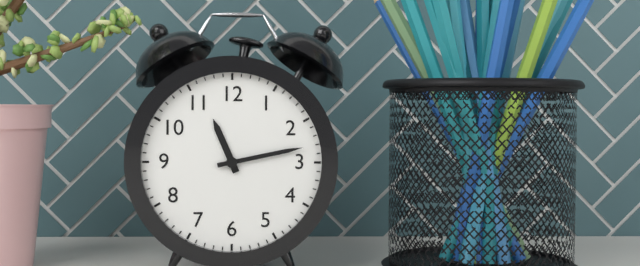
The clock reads 11.13
